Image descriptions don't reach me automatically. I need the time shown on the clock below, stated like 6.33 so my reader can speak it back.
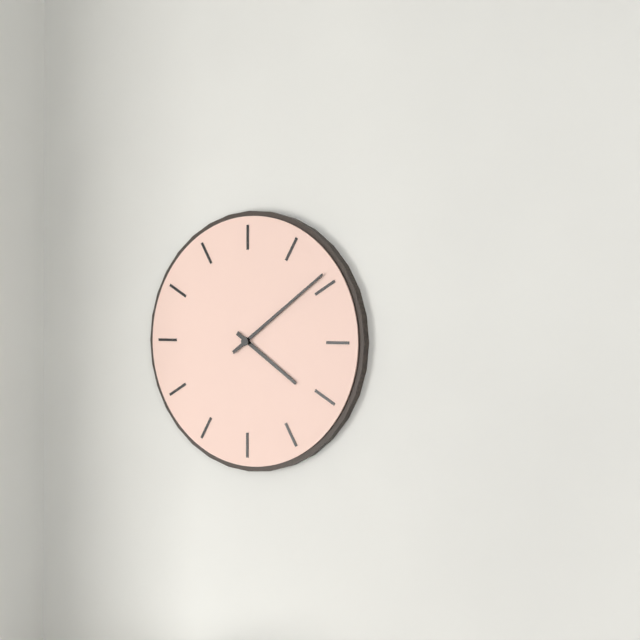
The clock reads 4.09
